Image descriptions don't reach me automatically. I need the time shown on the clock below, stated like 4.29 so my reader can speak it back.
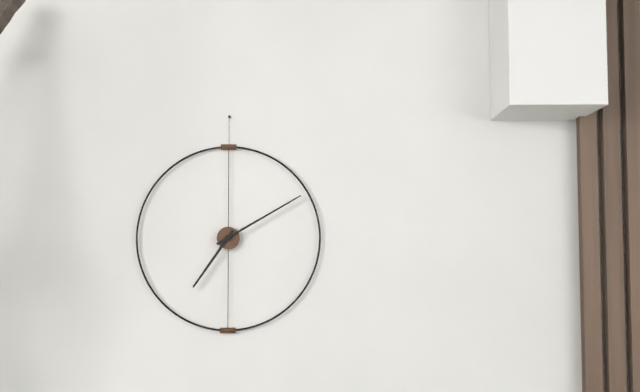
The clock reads 7.10
